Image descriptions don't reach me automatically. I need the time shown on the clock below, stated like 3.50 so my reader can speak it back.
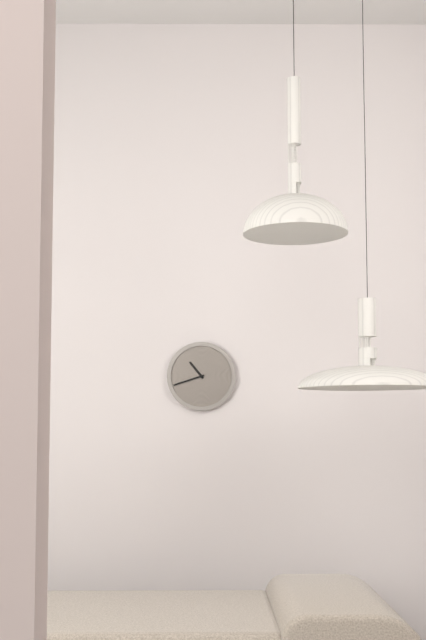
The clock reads 10.42
